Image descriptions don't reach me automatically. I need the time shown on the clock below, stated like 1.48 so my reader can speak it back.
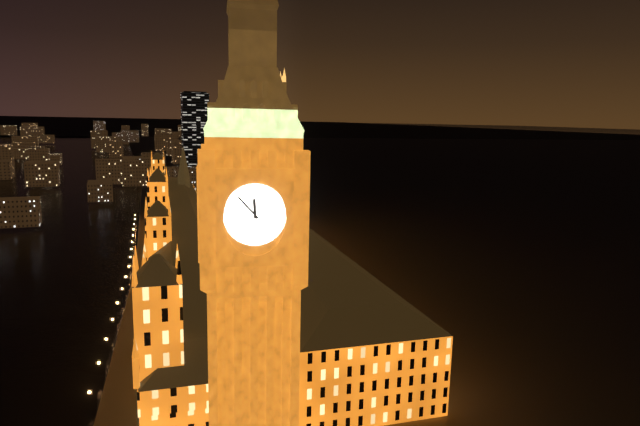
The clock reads 11.53
